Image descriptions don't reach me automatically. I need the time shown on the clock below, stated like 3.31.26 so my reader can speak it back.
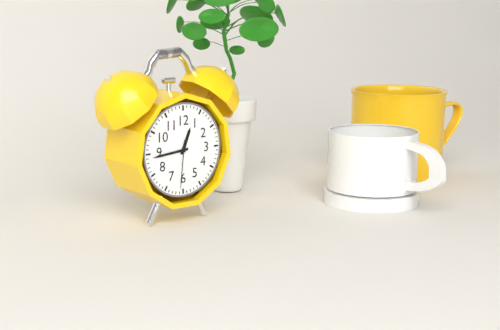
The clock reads 12.44.31
